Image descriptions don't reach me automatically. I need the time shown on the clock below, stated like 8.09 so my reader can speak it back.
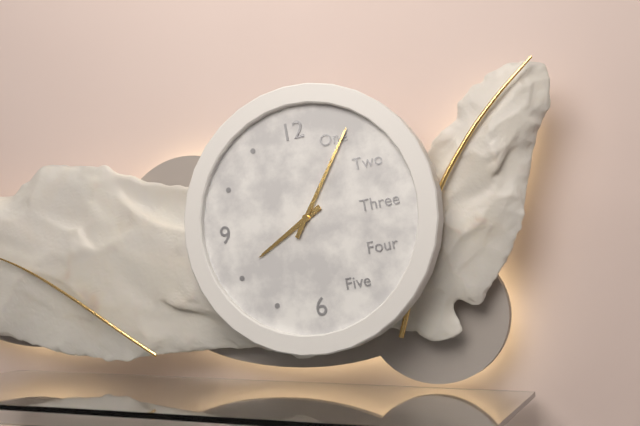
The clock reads 8.06
